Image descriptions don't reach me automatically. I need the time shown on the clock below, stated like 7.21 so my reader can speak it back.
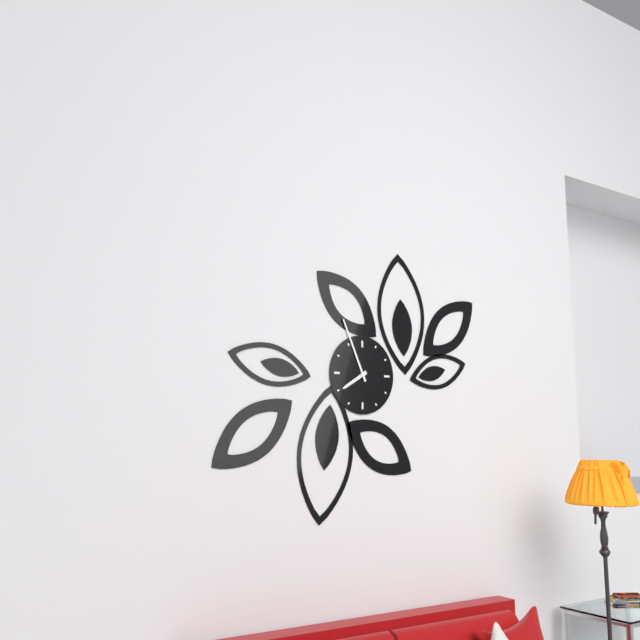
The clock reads 7.56
